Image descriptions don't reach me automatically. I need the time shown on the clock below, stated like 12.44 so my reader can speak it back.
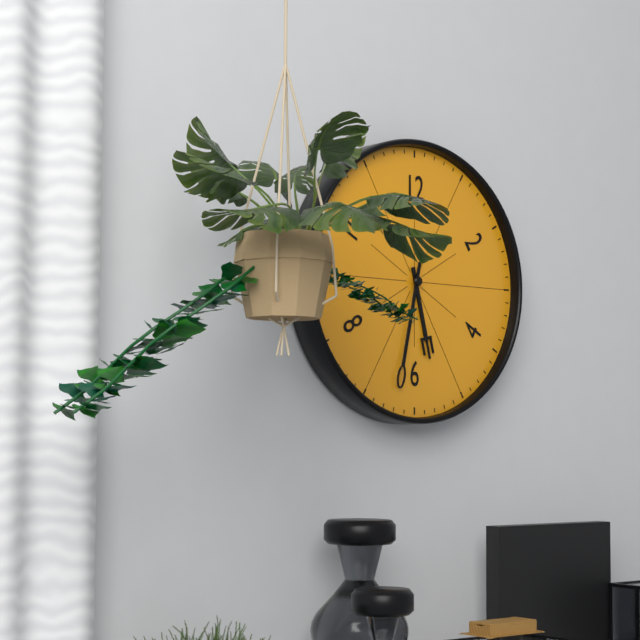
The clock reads 5.32
